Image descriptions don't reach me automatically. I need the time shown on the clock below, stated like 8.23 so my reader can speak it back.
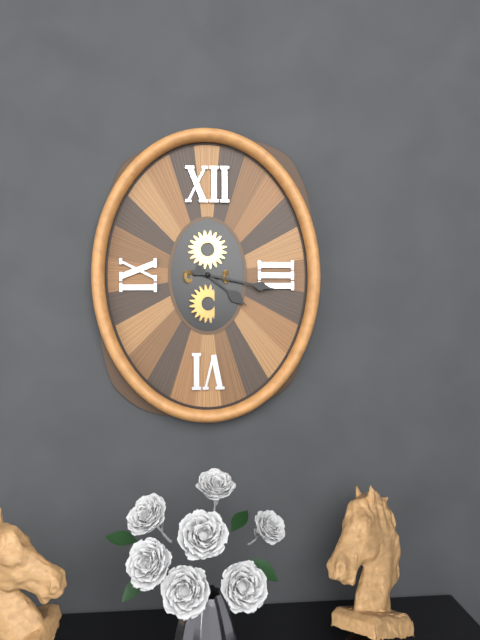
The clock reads 4.17
